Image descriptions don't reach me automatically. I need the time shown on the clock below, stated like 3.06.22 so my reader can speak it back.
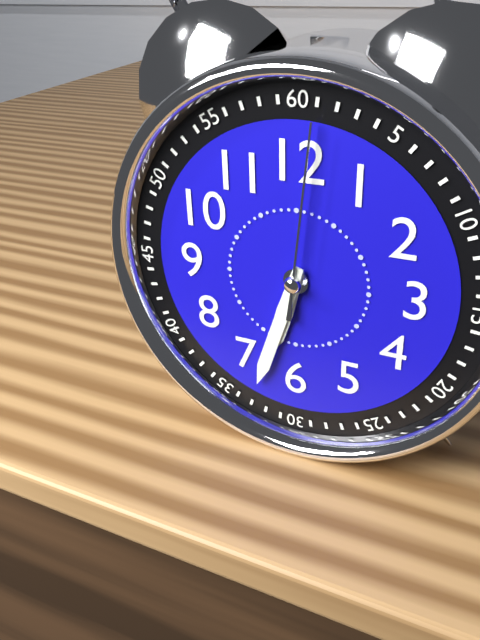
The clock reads 6.33.01
